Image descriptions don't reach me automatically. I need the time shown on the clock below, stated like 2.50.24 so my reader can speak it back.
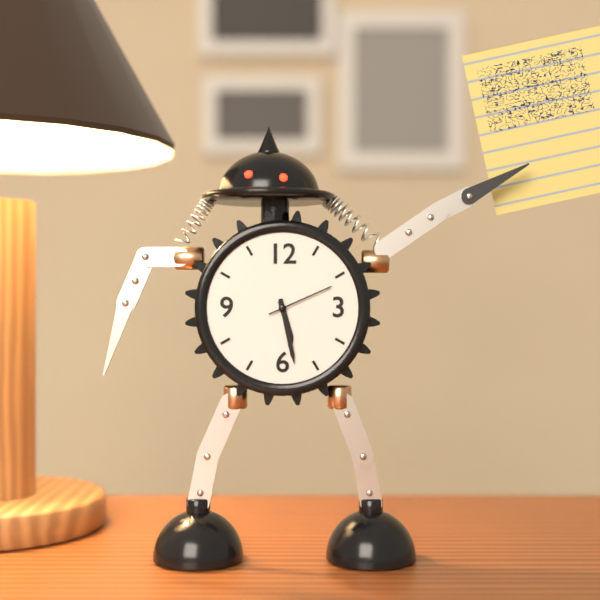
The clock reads 5.28.11
